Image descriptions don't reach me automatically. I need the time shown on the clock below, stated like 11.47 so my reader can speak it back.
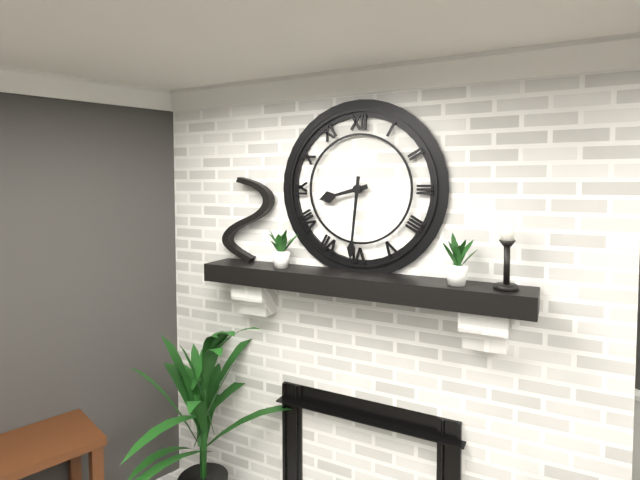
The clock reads 8.31
